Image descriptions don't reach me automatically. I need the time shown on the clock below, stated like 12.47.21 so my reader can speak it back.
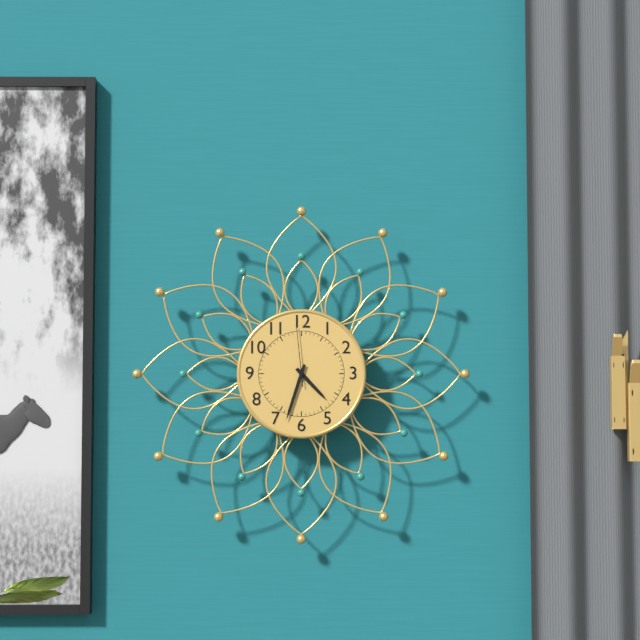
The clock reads 4.33.59
